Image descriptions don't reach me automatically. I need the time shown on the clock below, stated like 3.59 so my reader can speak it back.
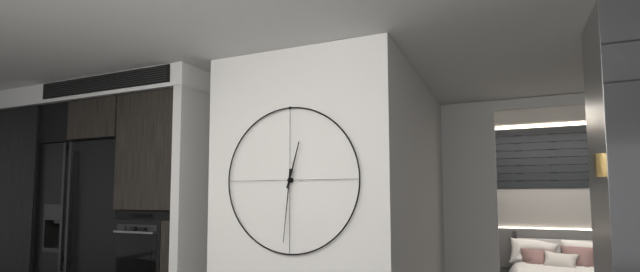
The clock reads 12.31
